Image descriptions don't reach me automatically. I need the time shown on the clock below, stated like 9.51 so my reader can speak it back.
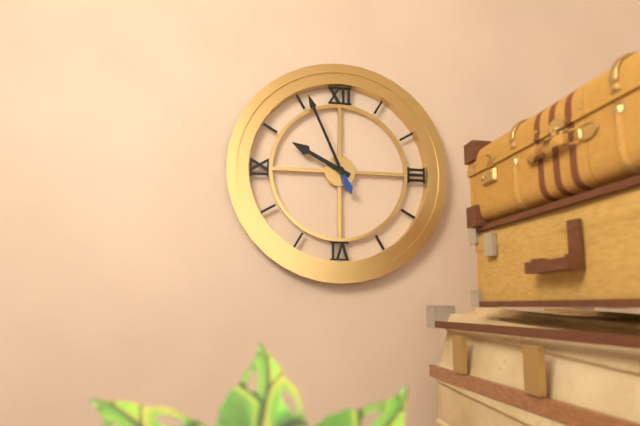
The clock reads 9.56
